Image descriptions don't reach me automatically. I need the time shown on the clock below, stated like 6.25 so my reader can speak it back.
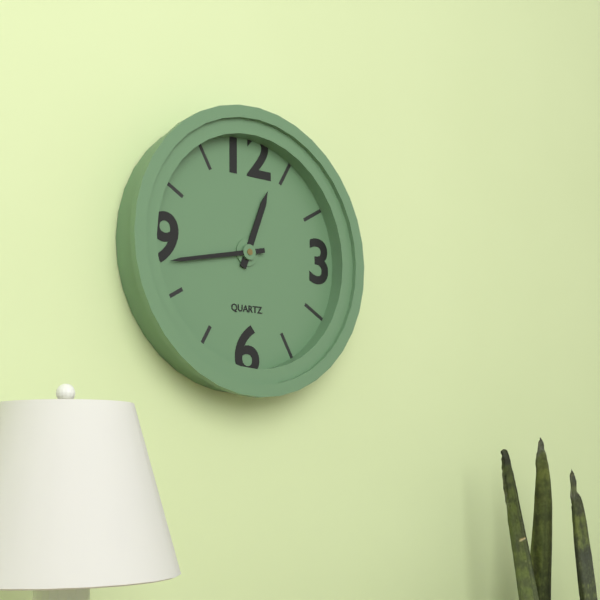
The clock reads 12.43
